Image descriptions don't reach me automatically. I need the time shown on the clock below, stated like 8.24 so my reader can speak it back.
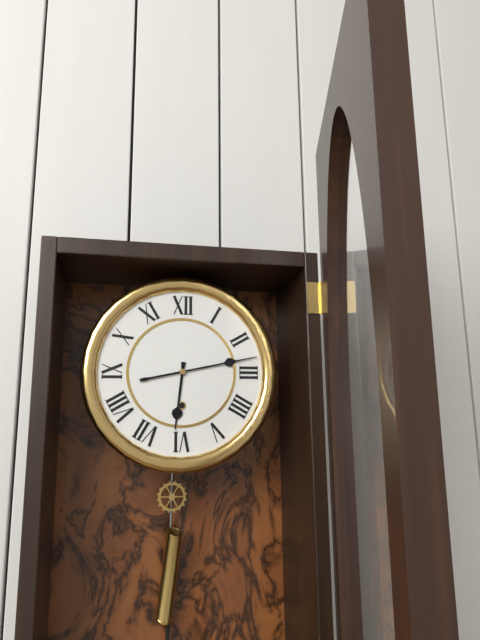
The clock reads 6.13
